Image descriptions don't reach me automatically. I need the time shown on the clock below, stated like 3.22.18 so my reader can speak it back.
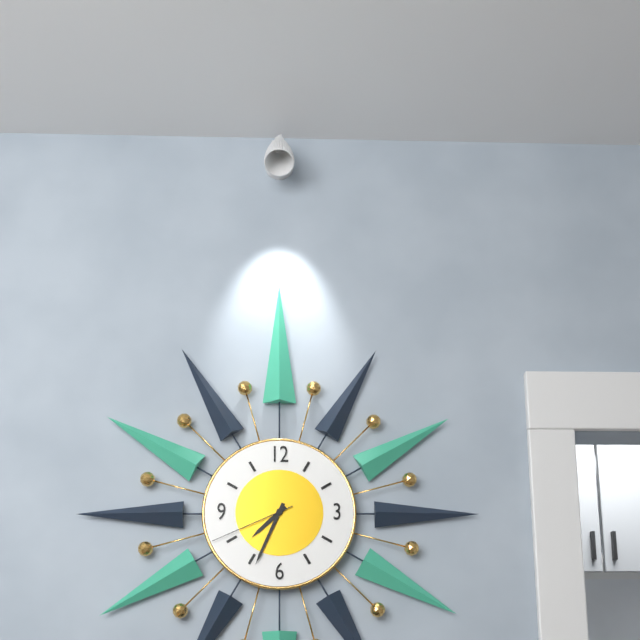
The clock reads 7.34.41
